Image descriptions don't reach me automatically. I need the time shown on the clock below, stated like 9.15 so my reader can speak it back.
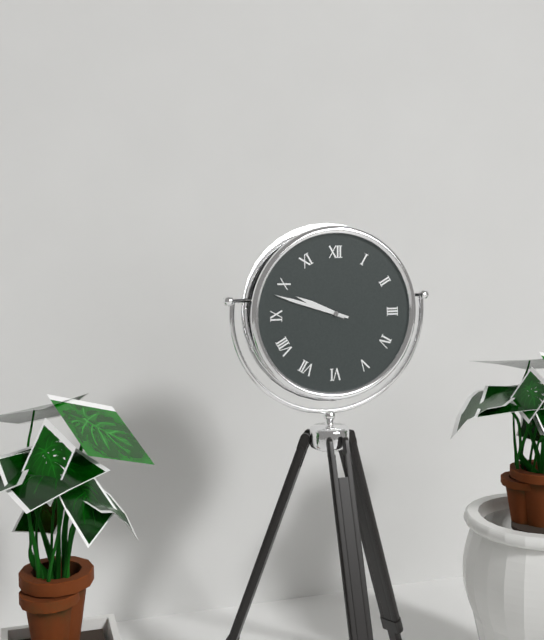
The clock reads 9.48
